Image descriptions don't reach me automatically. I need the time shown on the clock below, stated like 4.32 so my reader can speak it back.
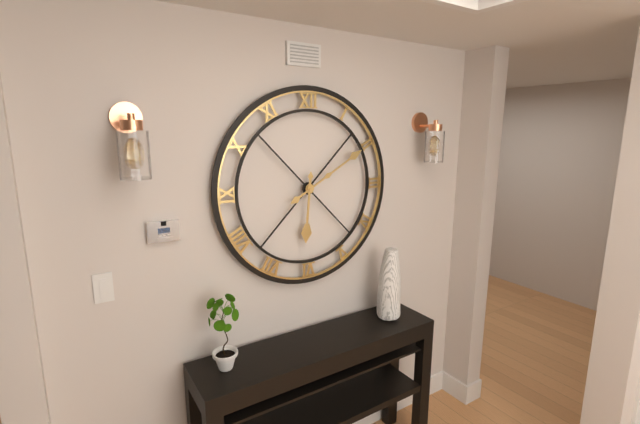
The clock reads 6.10
